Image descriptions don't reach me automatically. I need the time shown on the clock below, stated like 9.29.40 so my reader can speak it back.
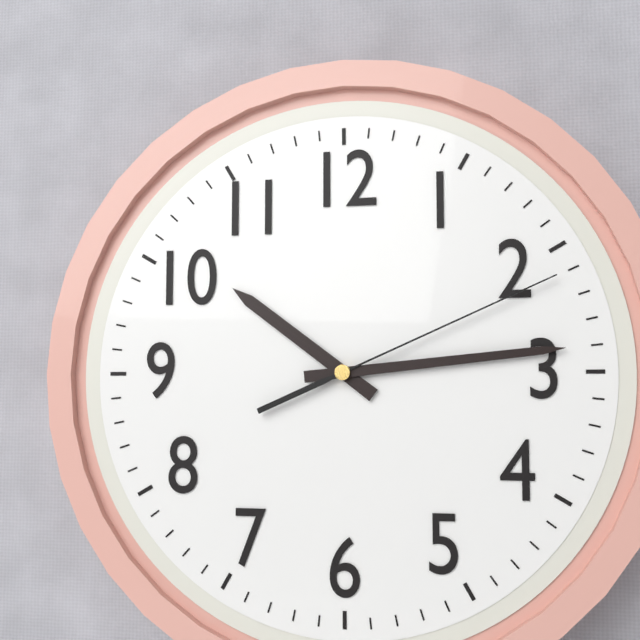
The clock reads 10.14.11
